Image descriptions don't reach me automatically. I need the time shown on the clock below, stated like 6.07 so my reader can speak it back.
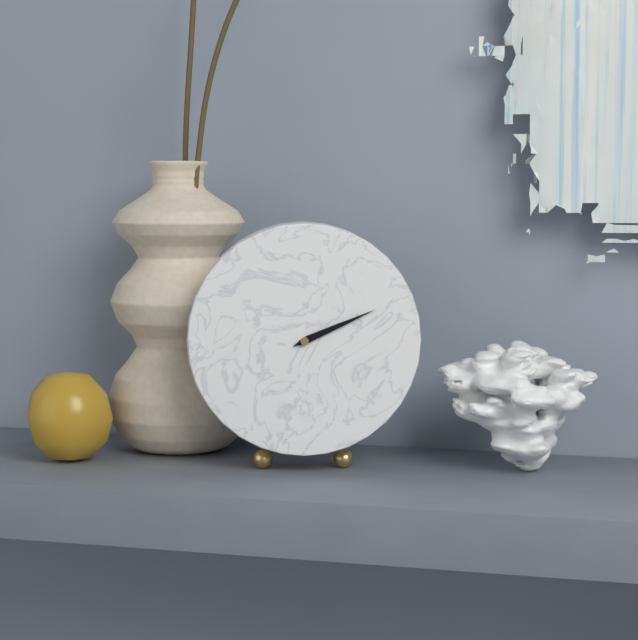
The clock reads 2.11
